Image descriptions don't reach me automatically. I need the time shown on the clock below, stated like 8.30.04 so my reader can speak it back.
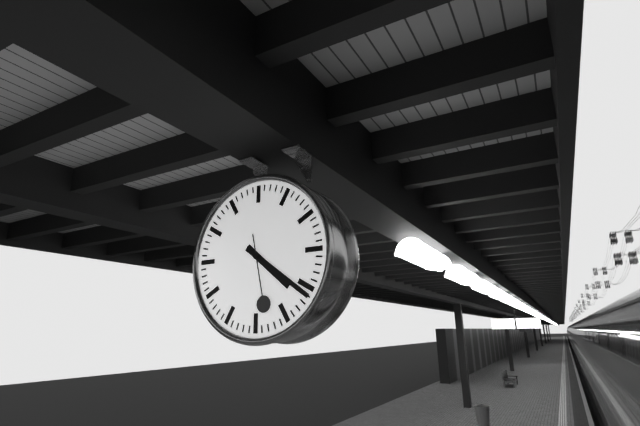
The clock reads 4.21.28
